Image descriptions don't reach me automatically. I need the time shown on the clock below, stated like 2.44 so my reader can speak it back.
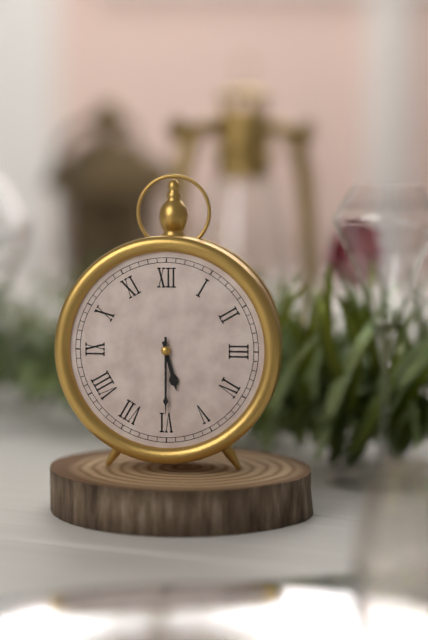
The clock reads 5.30
